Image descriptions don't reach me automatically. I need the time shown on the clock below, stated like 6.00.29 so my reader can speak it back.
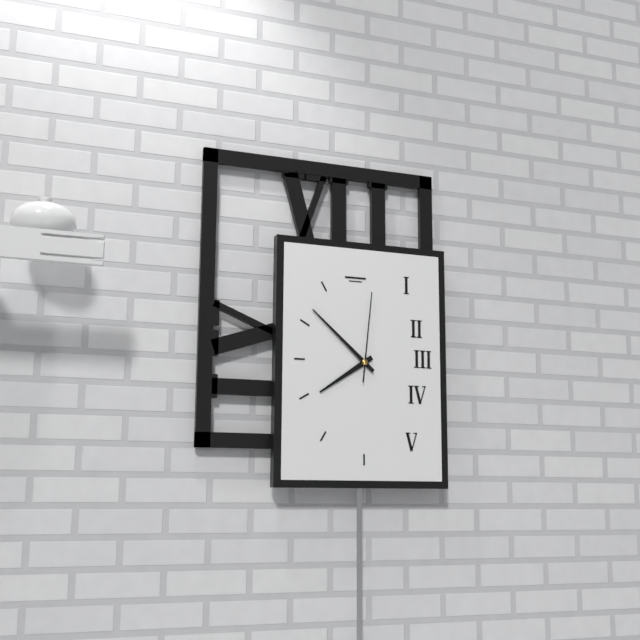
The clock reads 7.52.01
